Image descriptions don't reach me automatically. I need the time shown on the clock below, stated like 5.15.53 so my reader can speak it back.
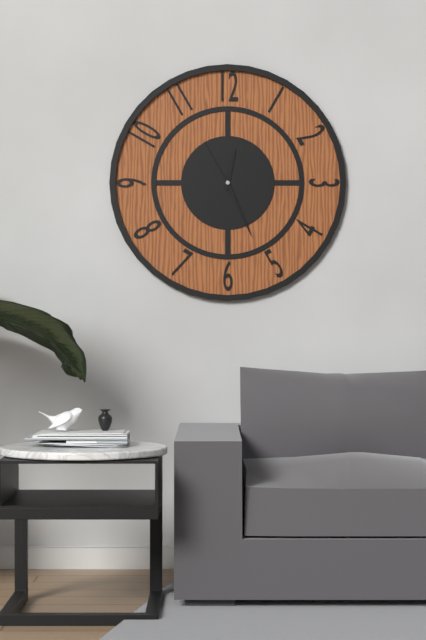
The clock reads 12.26.55
